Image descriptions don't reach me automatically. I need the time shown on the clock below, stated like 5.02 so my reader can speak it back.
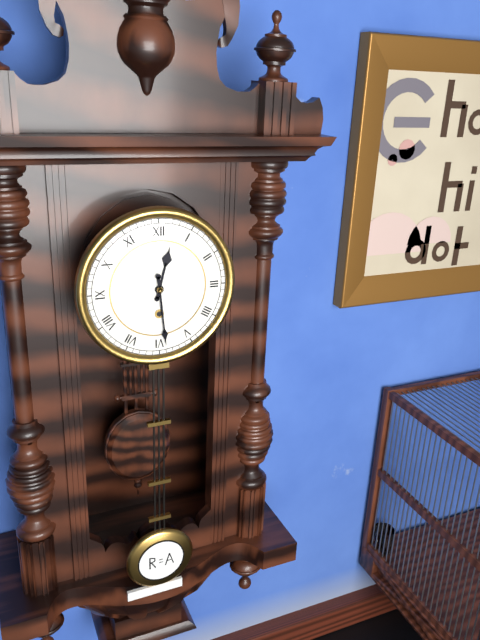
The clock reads 12.29
